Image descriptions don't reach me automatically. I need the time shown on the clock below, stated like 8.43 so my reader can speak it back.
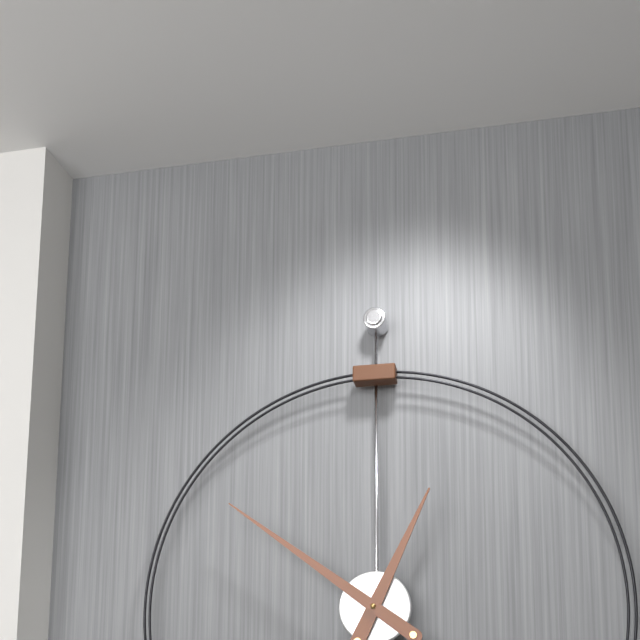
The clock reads 12.51
